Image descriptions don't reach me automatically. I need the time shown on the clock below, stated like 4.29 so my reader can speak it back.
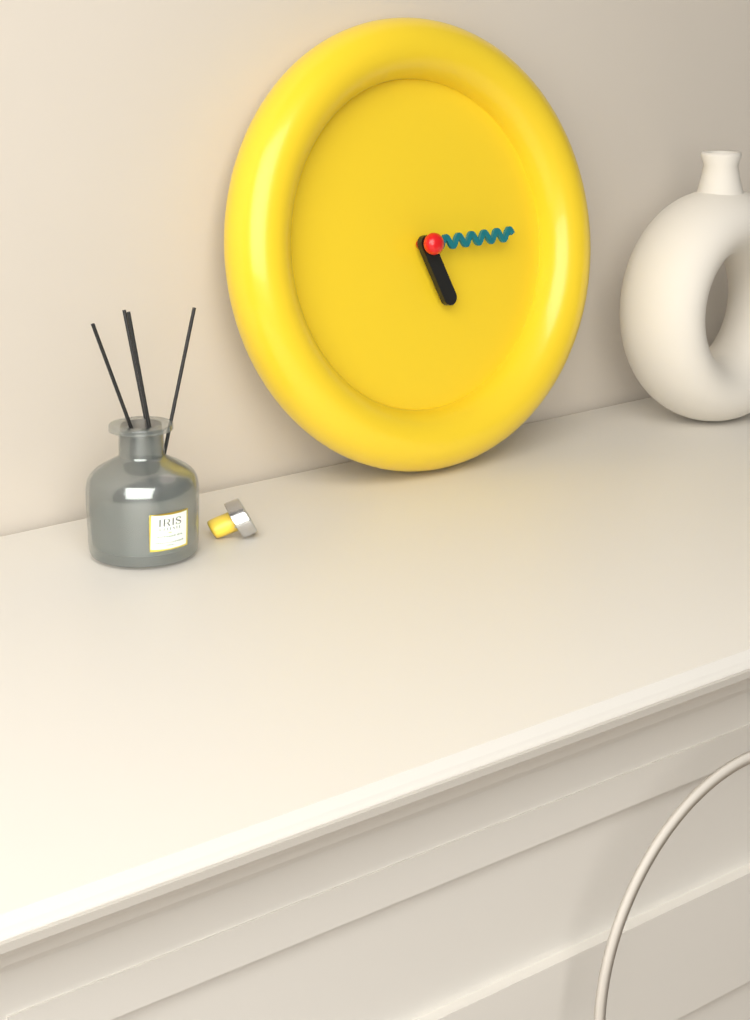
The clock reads 5.15
